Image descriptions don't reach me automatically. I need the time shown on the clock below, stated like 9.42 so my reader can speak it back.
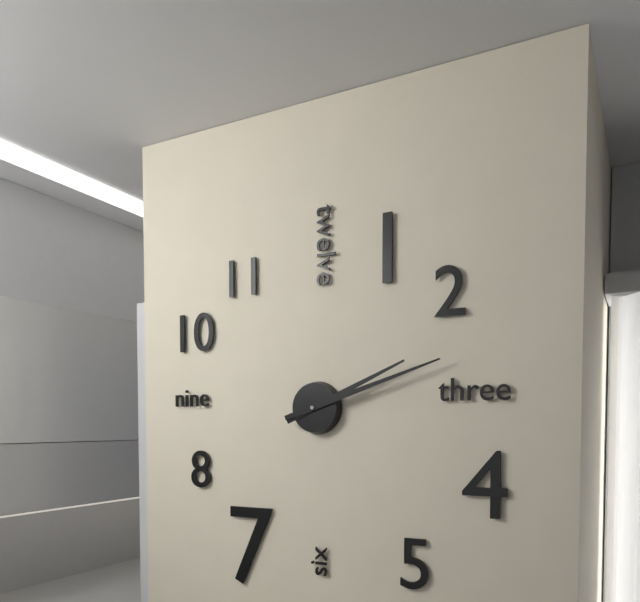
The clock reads 2.12
